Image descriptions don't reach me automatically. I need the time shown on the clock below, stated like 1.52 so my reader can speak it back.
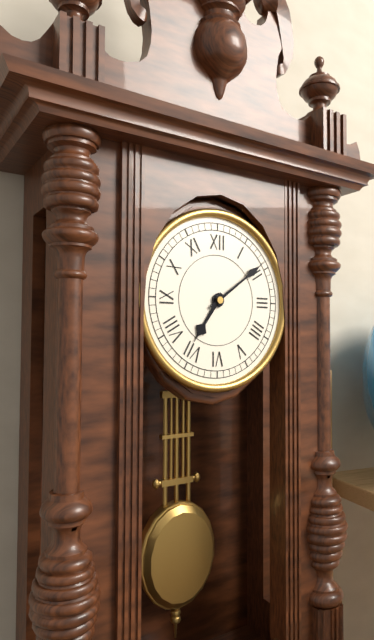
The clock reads 7.09
